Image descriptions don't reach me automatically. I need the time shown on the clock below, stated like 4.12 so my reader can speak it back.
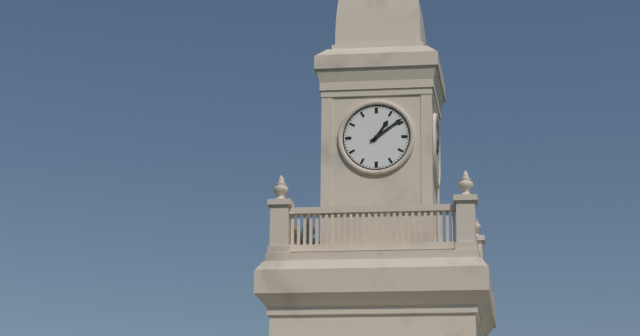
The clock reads 1.09
